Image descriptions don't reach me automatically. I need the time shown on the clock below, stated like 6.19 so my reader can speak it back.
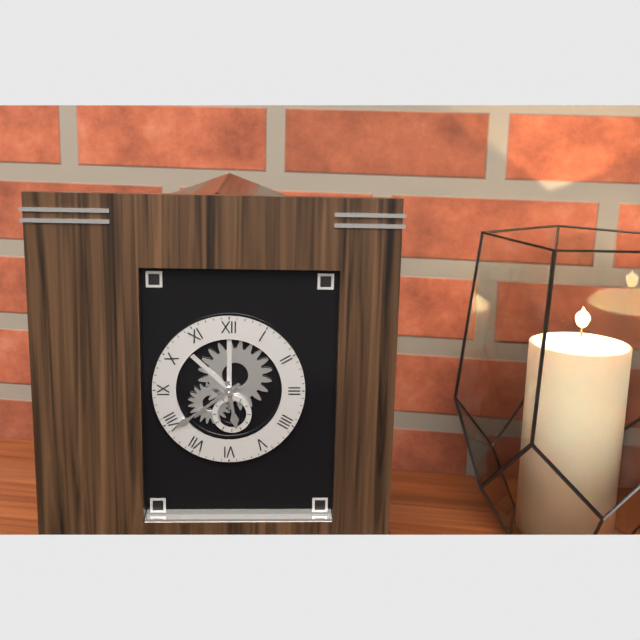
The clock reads 5.39
